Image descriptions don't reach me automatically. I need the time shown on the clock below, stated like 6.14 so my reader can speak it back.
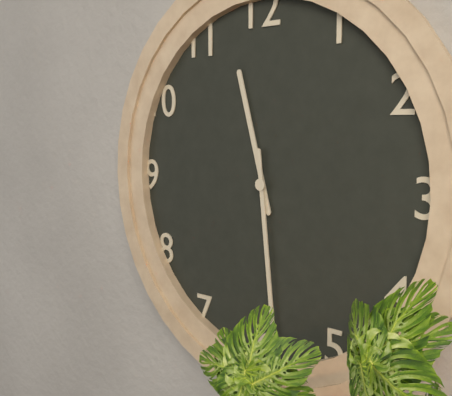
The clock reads 11.29
